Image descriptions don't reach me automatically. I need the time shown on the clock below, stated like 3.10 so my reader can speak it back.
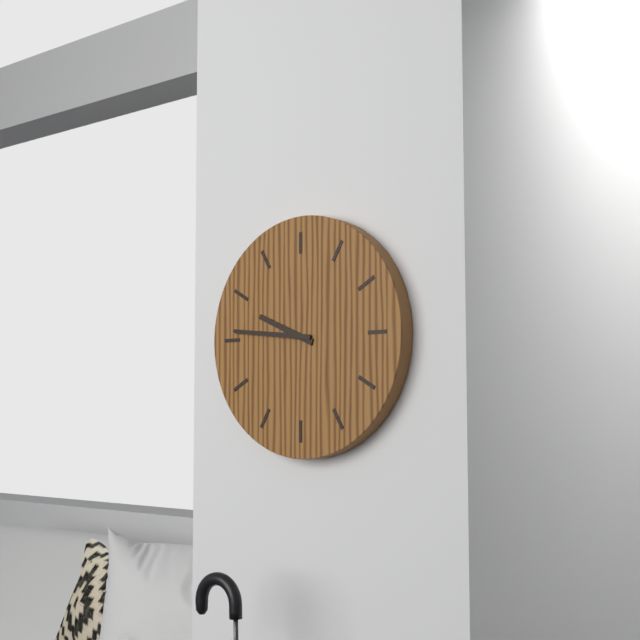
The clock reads 9.46
